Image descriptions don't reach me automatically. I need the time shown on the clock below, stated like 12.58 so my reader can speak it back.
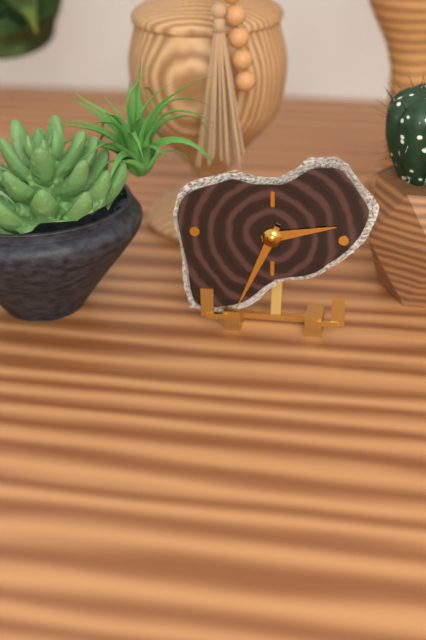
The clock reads 2.34
